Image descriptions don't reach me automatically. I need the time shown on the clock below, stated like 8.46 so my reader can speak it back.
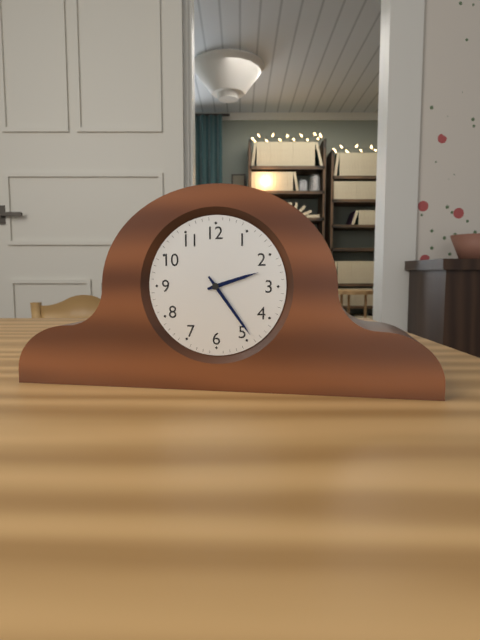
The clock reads 2.24
